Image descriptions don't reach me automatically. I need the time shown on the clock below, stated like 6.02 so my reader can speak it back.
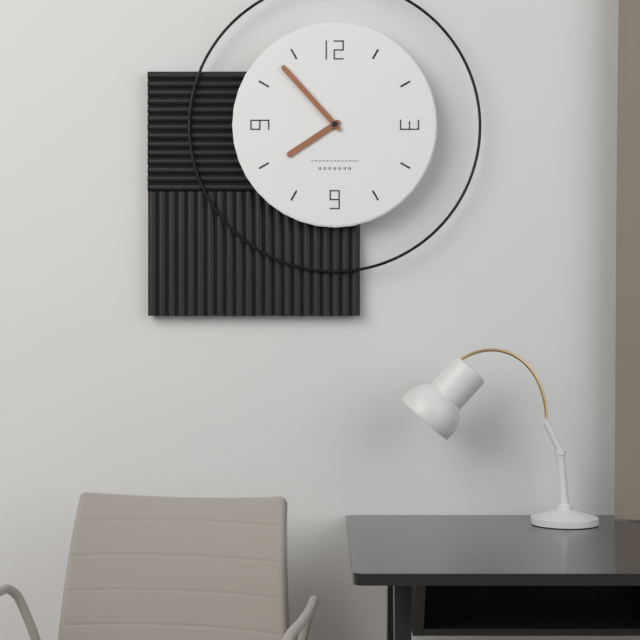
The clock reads 7.53
